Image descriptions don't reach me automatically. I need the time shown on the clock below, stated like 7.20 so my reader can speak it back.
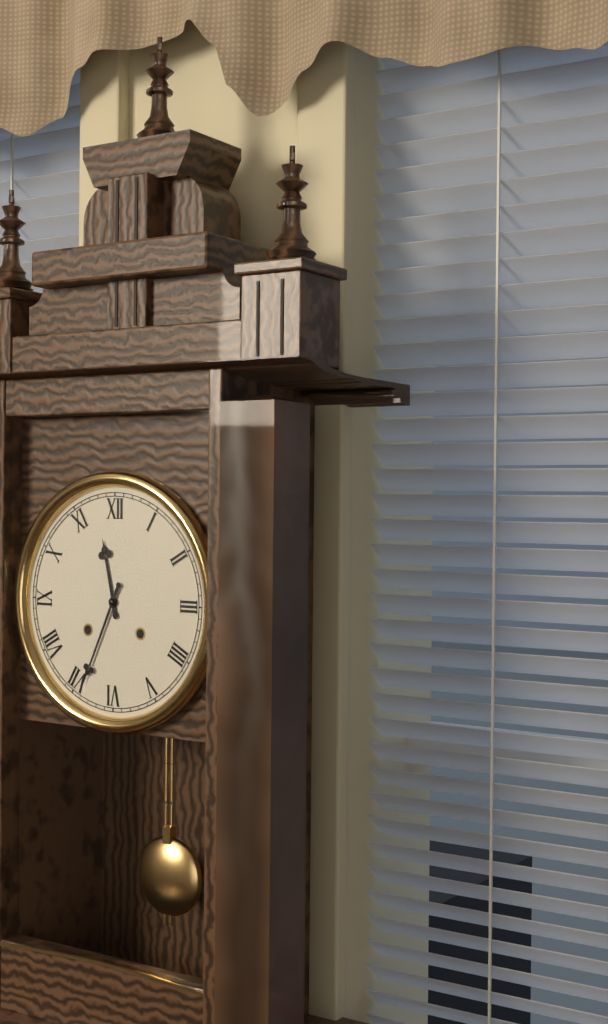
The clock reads 11.34
